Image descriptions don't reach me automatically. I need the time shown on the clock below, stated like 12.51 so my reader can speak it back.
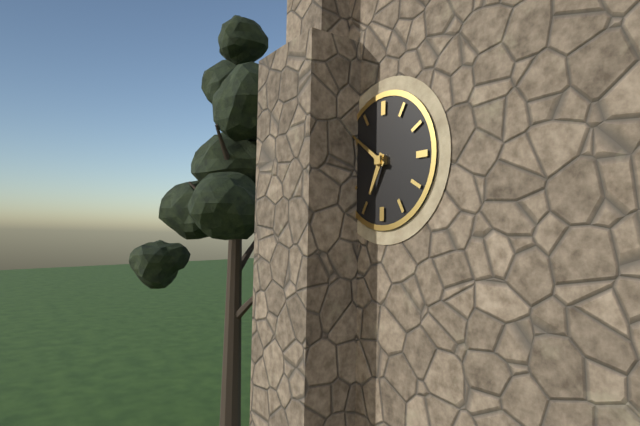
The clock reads 6.51
